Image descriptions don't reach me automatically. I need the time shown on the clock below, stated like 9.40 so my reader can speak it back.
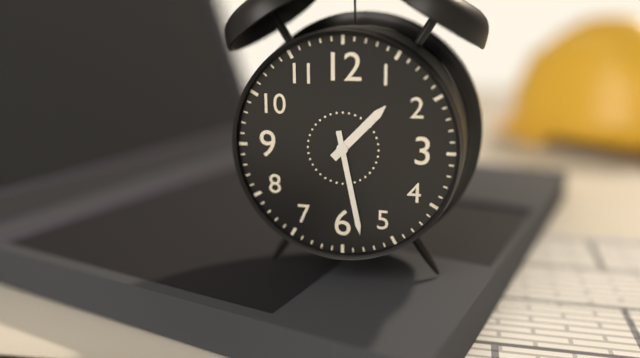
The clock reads 1.28
